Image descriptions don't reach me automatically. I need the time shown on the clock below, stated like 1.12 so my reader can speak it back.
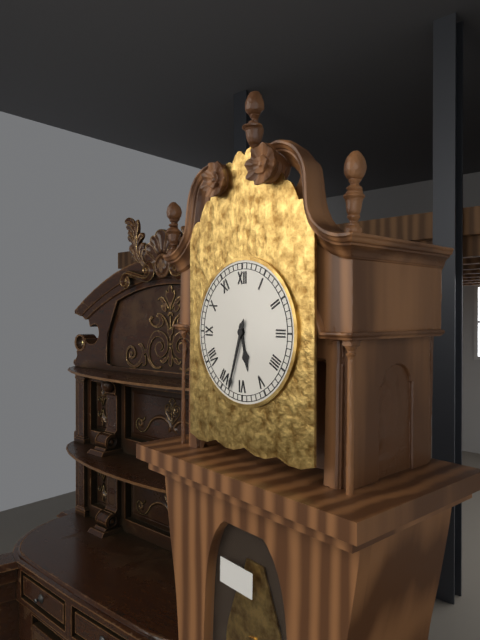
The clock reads 5.33
